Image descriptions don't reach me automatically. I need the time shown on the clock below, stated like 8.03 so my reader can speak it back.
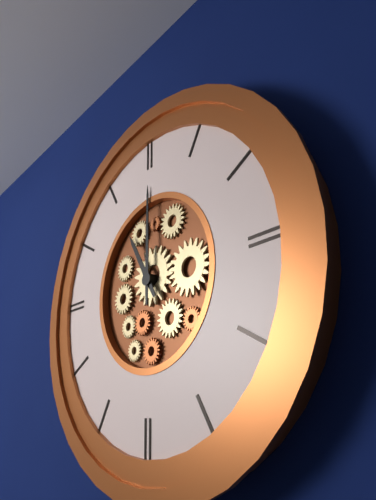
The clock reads 11.00
